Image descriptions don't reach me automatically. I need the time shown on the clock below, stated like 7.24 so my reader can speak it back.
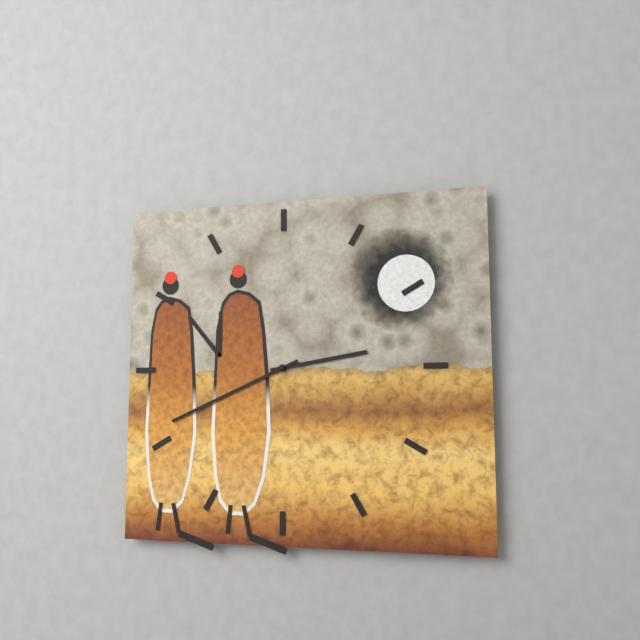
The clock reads 2.41
